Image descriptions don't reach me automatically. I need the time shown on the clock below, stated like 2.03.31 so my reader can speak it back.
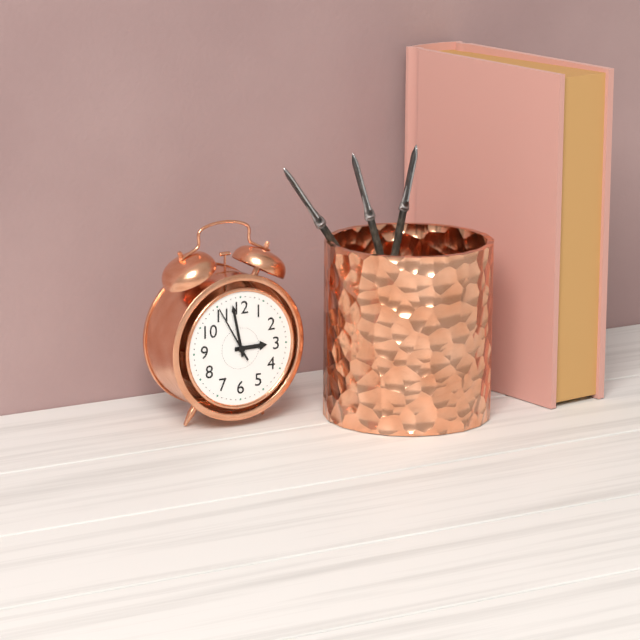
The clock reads 2.58.55
